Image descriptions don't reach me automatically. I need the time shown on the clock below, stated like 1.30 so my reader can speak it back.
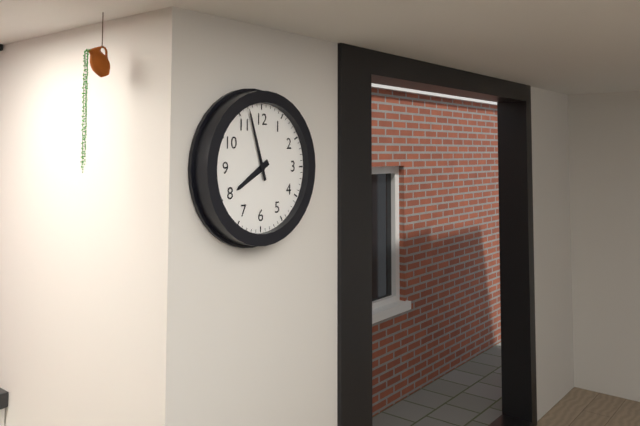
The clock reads 7.57
